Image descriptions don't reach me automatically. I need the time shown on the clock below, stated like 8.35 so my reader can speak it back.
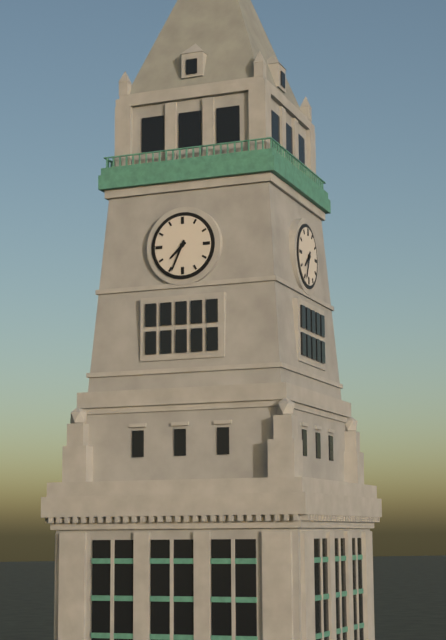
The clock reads 7.34
